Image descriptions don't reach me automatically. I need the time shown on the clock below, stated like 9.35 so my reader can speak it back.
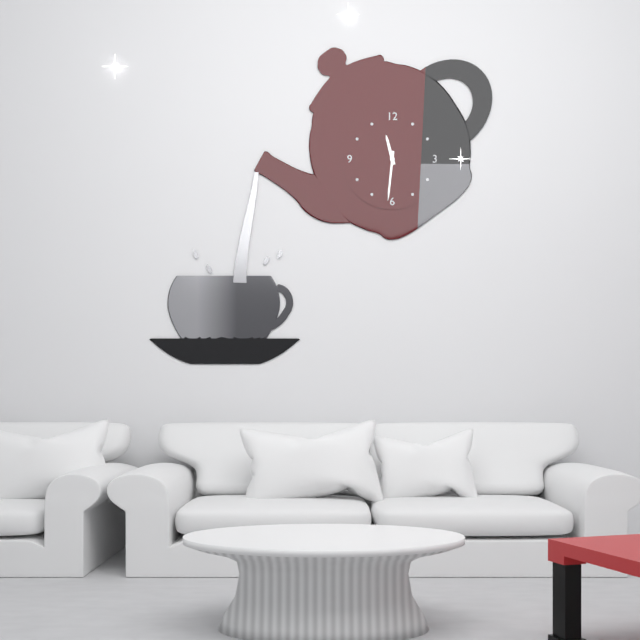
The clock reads 11.31
